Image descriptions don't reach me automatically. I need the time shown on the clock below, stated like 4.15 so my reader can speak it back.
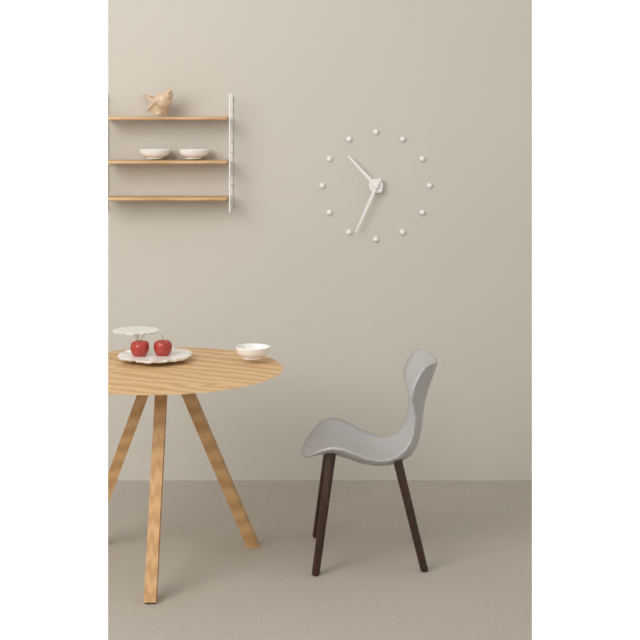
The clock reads 10.34
